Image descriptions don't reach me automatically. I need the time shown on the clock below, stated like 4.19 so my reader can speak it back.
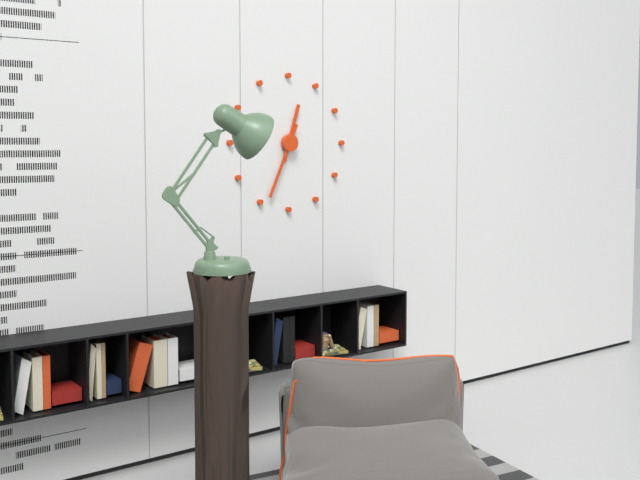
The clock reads 12.34
